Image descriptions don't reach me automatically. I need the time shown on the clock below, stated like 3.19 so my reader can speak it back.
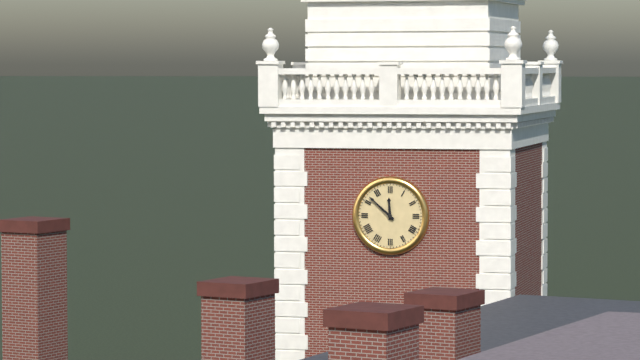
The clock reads 11.52
